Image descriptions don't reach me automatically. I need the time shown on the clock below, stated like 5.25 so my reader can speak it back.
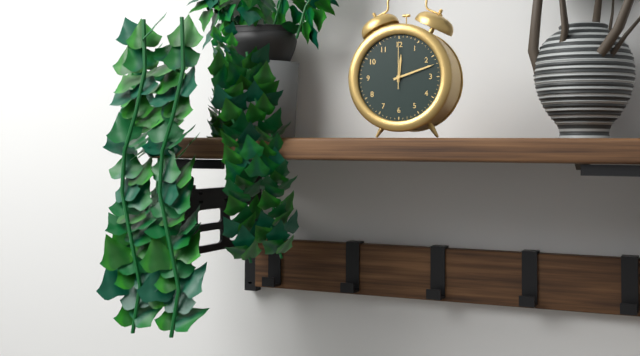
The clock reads 12.12
